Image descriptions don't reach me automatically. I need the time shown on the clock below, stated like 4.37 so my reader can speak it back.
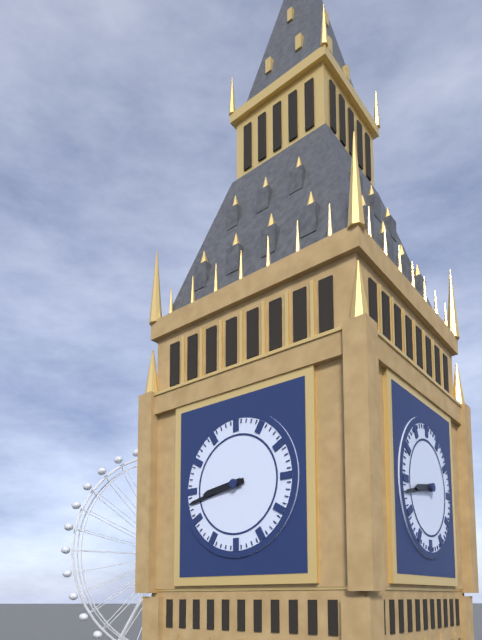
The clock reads 8.43
